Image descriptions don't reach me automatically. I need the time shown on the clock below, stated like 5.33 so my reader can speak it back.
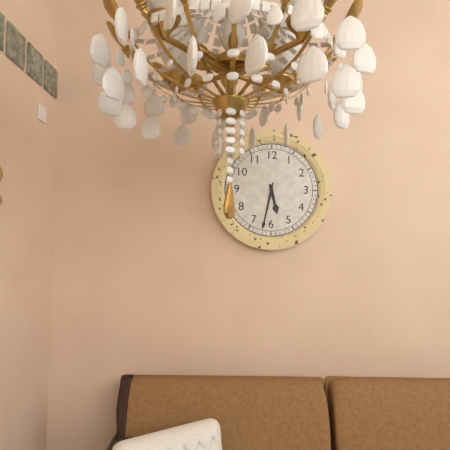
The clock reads 5.32
